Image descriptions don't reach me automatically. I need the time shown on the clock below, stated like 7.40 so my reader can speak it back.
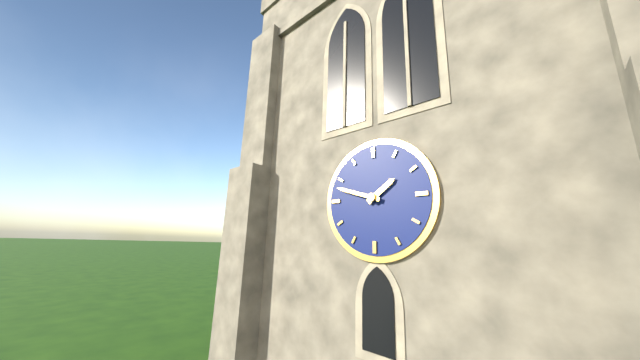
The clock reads 1.48
